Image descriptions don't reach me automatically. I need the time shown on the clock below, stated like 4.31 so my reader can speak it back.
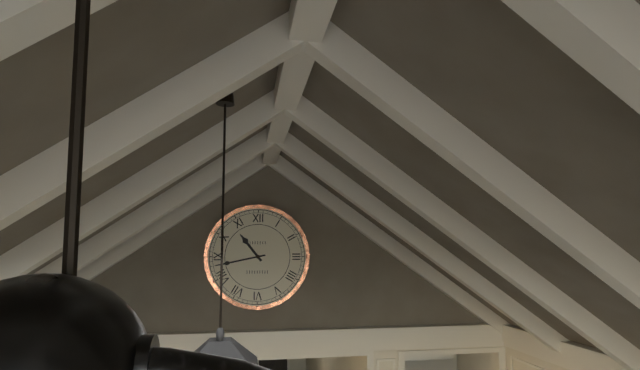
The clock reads 10.43
